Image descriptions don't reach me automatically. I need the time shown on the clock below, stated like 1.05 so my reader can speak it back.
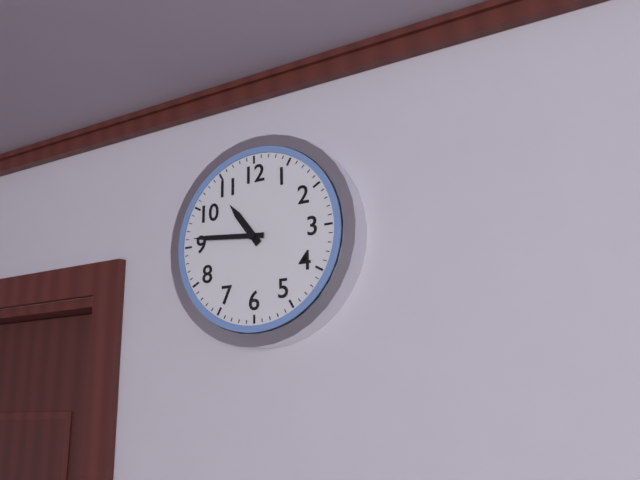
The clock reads 10.46
